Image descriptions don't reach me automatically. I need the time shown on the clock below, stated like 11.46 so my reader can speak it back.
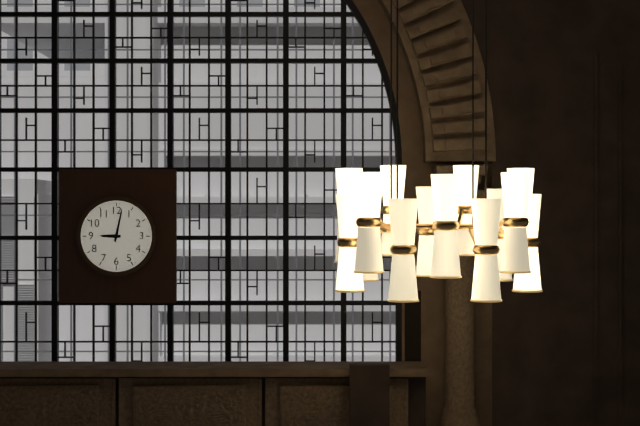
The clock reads 9.02
